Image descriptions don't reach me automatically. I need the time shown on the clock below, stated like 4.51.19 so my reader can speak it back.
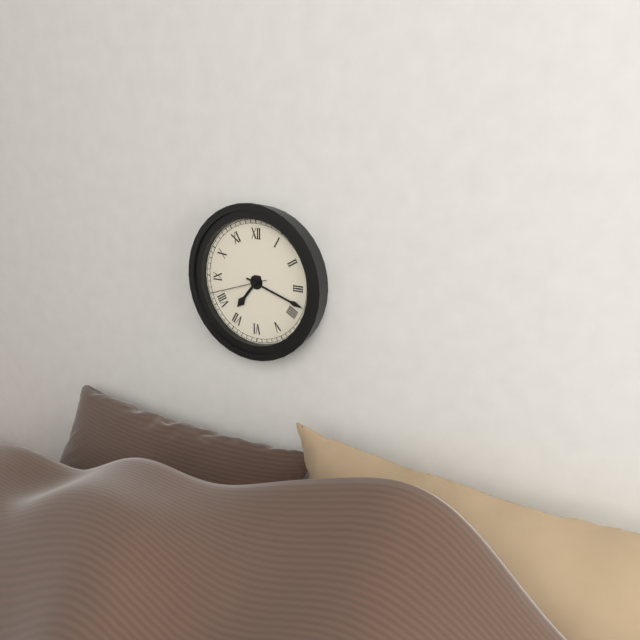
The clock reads 7.18.42
